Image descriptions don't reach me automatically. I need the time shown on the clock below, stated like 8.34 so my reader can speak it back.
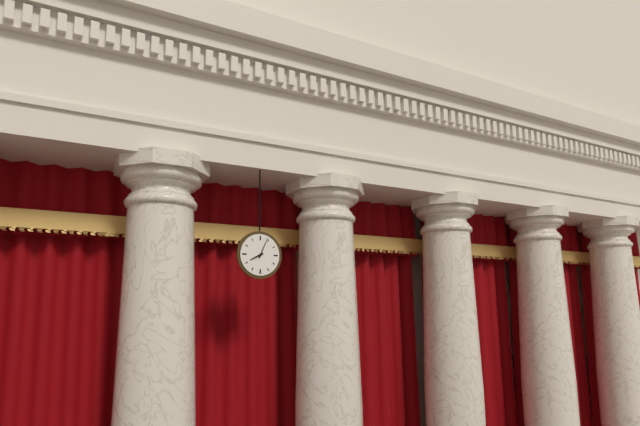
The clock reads 8.04
